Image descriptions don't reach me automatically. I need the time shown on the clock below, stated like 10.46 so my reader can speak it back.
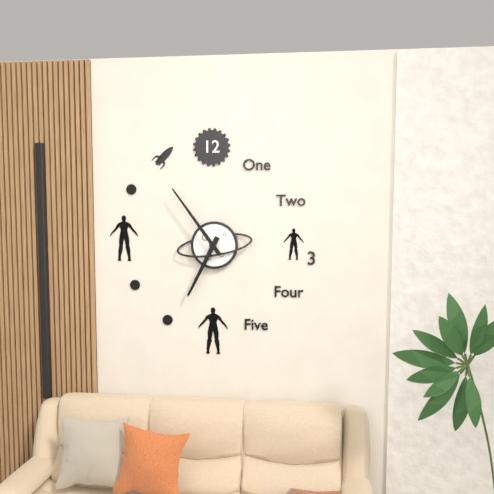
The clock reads 6.54
